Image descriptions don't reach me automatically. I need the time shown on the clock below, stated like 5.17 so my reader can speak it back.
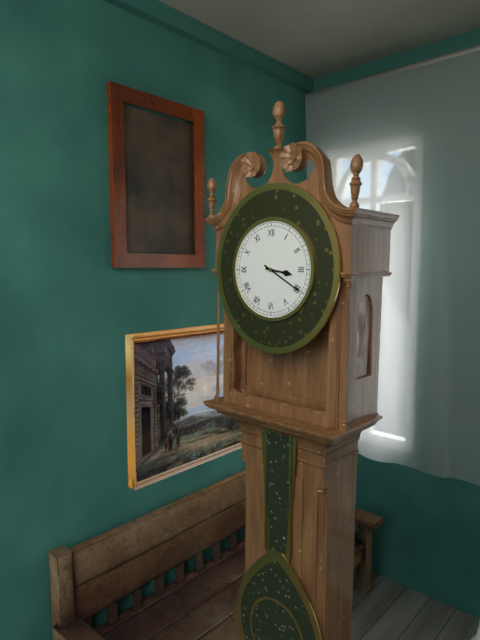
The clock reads 3.20
